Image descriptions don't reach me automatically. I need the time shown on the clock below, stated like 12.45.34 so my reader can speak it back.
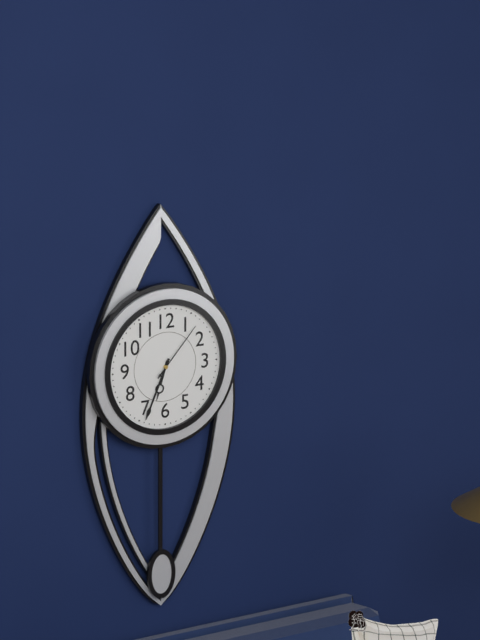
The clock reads 6.34.07
